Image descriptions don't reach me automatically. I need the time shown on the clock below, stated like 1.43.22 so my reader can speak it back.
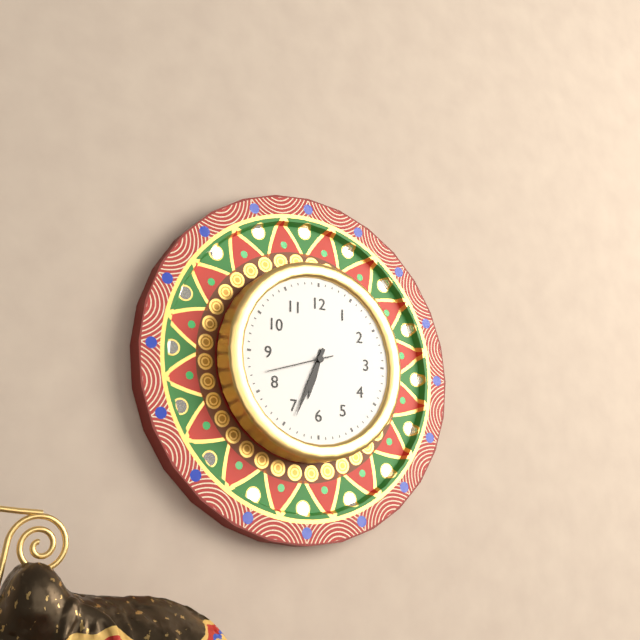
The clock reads 6.34.42
